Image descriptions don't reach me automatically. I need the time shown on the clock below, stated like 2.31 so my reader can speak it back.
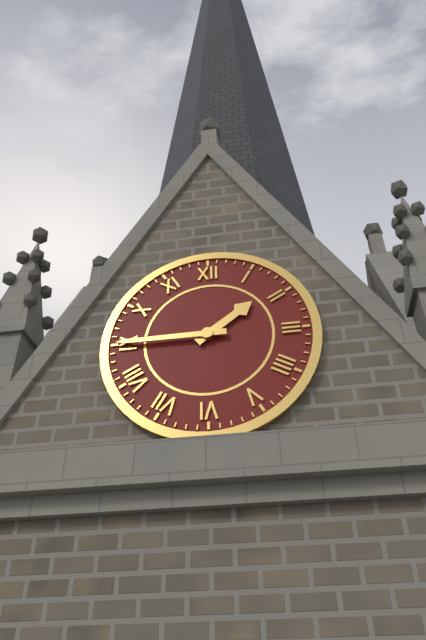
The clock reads 1.45
